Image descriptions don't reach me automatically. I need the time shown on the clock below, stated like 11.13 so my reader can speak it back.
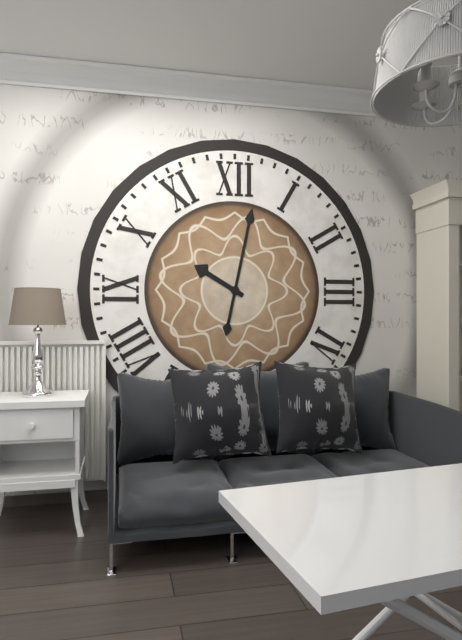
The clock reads 10.02
